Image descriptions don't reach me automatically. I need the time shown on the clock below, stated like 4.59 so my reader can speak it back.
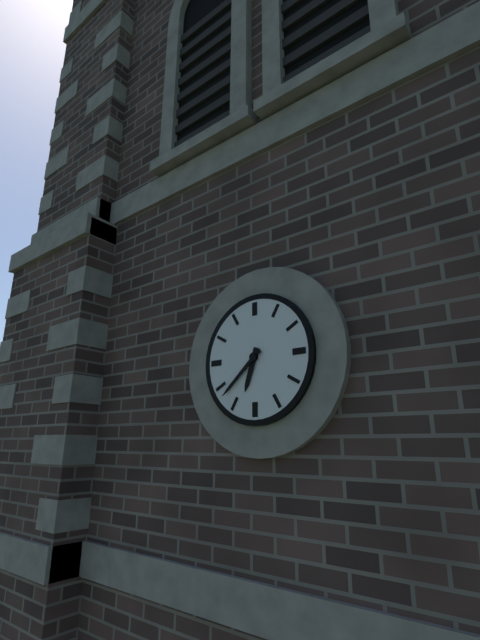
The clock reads 6.38
